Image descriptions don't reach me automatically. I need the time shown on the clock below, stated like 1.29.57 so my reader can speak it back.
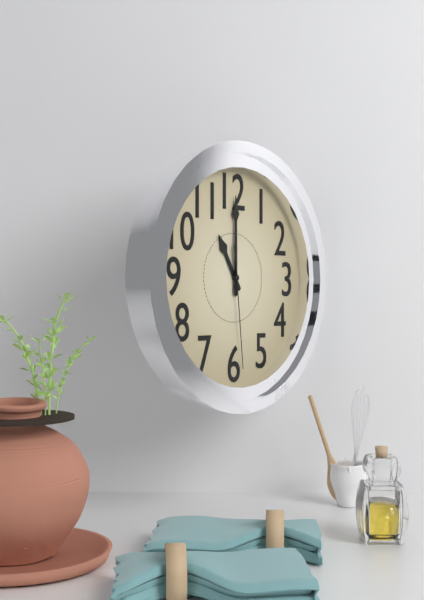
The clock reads 11.00.29
